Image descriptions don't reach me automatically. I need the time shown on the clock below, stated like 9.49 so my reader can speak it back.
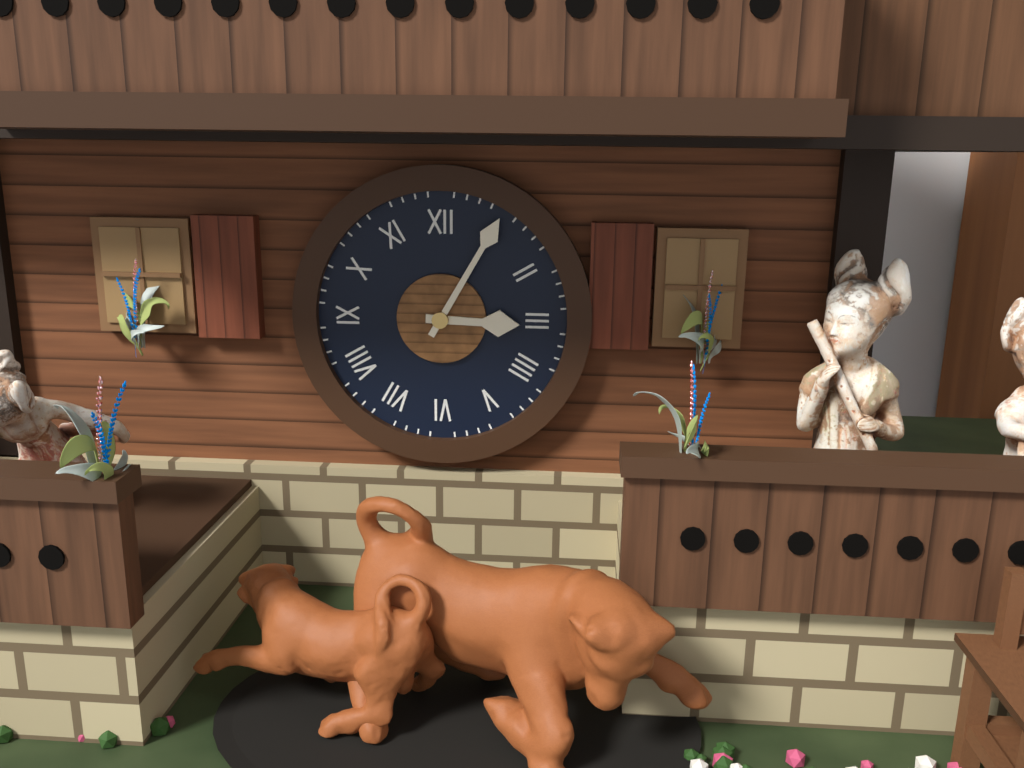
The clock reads 3.05
